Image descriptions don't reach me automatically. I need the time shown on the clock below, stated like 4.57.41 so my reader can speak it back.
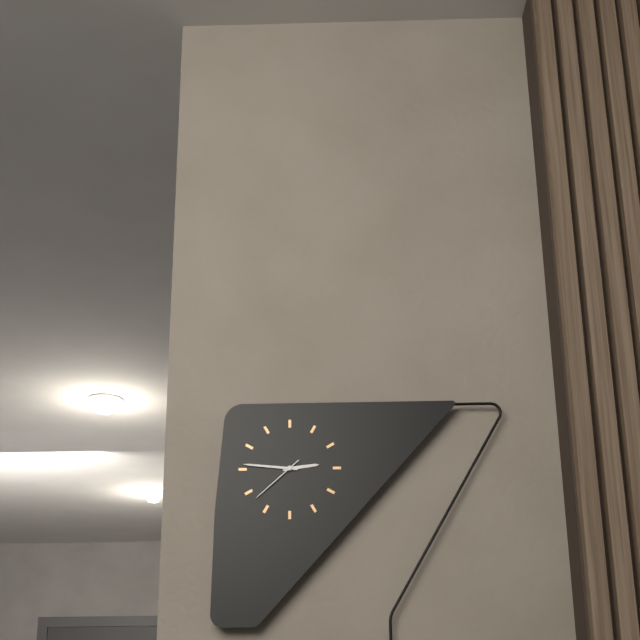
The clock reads 2.46.38
